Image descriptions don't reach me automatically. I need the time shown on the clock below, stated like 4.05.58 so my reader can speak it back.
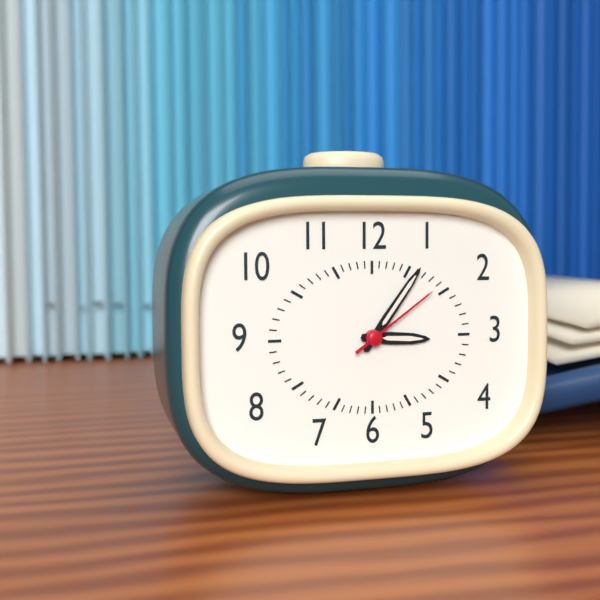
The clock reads 3.06.09
